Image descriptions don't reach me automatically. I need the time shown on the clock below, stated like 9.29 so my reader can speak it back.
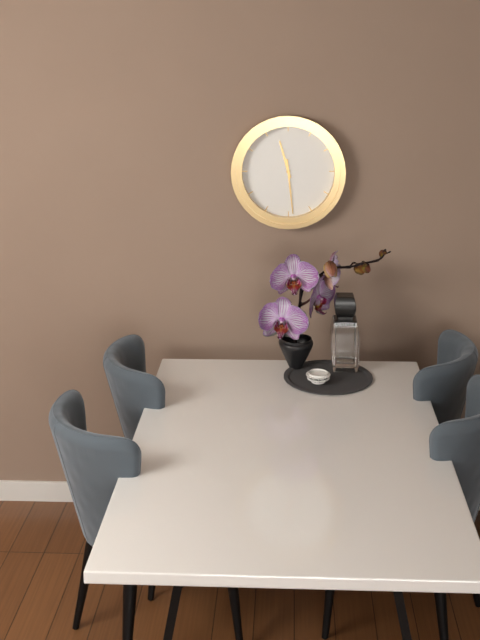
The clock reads 11.29
